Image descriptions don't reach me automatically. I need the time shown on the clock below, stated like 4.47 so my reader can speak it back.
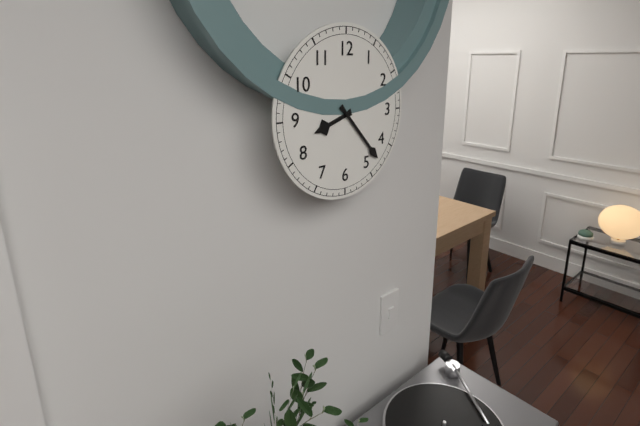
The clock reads 8.23
